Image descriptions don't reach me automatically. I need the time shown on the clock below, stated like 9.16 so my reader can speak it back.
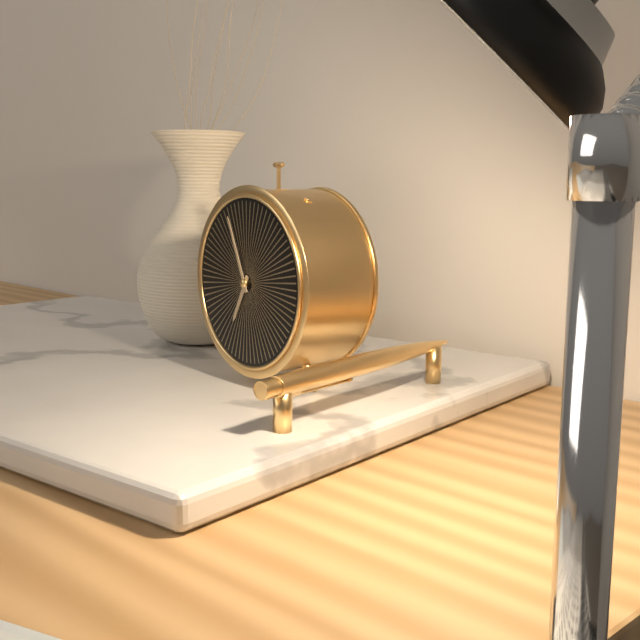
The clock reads 6.56
